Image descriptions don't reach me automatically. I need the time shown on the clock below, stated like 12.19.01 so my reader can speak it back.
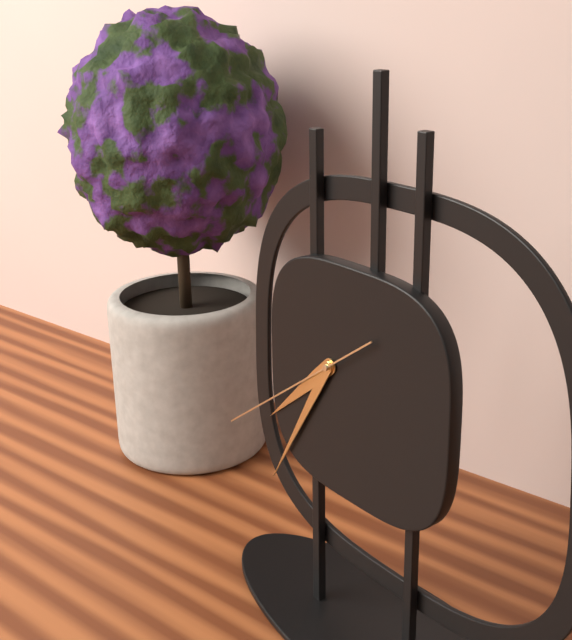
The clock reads 7.35.39
